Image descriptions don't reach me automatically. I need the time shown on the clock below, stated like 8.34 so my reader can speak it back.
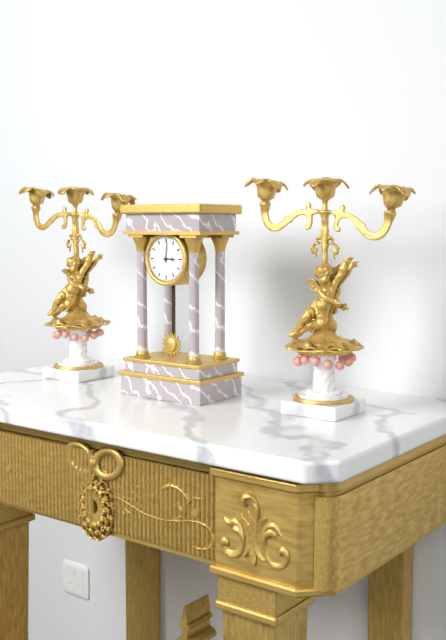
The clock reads 3.01
